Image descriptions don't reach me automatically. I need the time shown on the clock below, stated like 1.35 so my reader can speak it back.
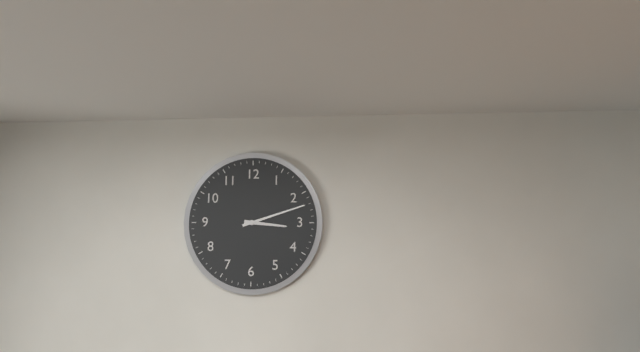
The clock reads 3.12
